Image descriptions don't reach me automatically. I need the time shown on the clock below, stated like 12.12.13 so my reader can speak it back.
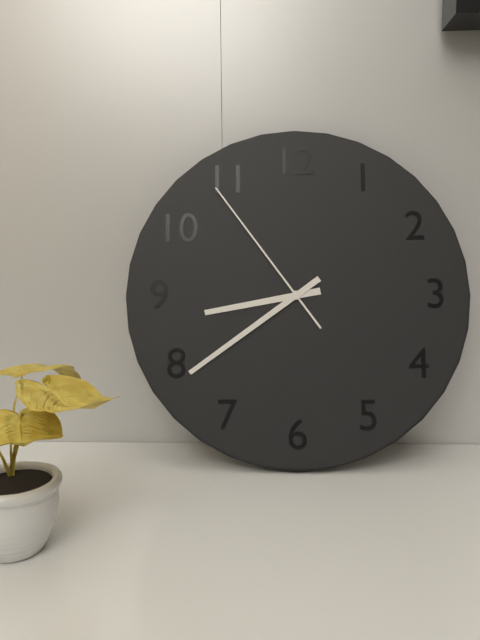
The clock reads 8.39.54
